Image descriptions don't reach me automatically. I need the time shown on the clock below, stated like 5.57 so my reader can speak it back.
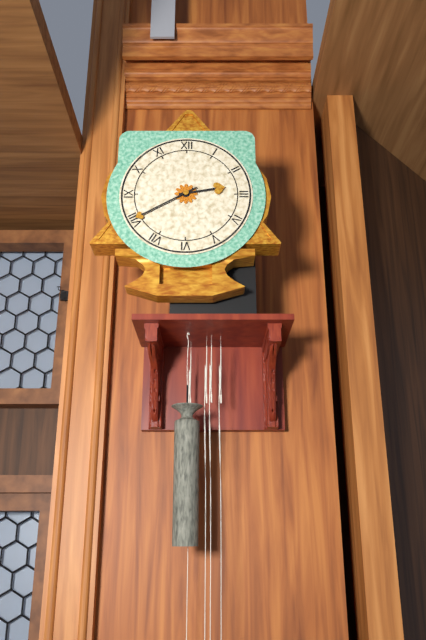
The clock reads 2.40
